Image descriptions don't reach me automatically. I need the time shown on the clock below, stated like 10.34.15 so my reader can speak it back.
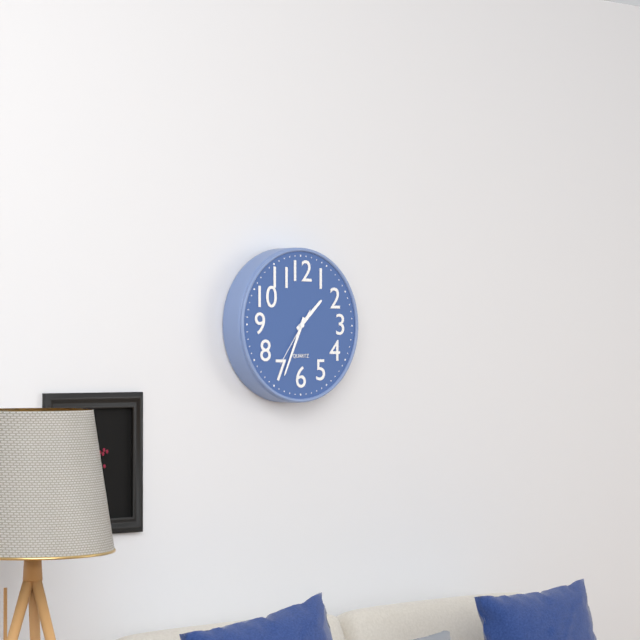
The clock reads 1.34.36
